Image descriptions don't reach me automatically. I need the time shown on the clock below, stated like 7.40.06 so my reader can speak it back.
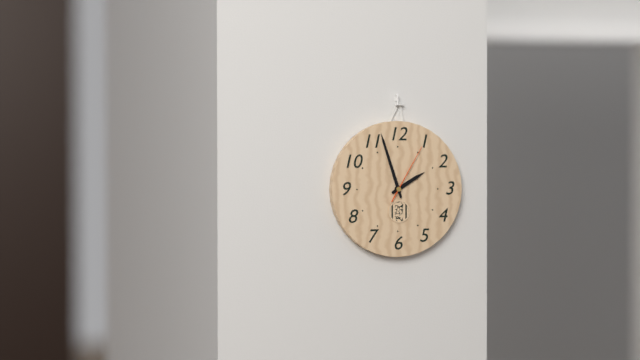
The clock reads 1.57.05
